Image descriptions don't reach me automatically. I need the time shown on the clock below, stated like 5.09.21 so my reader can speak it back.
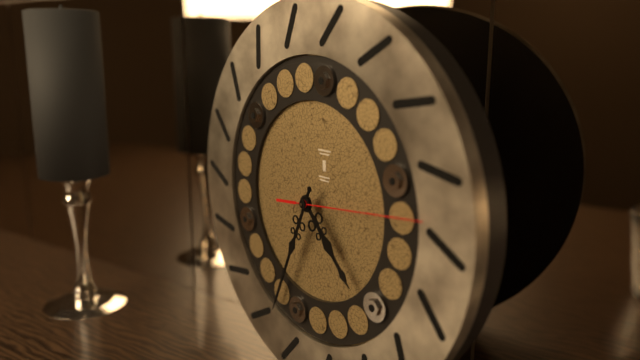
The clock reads 4.34.14
